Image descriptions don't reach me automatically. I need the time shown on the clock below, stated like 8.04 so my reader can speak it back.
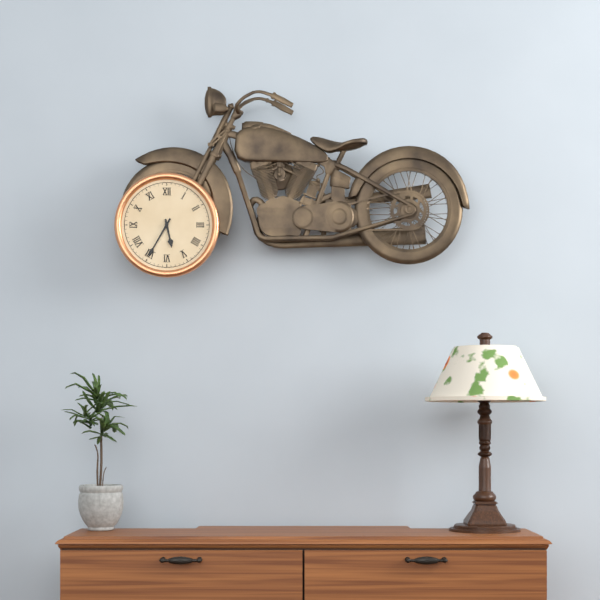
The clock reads 5.35
